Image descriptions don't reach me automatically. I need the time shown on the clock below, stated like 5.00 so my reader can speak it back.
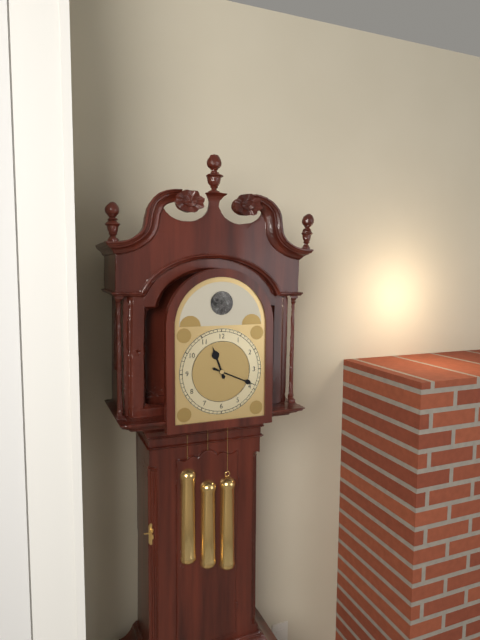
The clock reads 11.19
